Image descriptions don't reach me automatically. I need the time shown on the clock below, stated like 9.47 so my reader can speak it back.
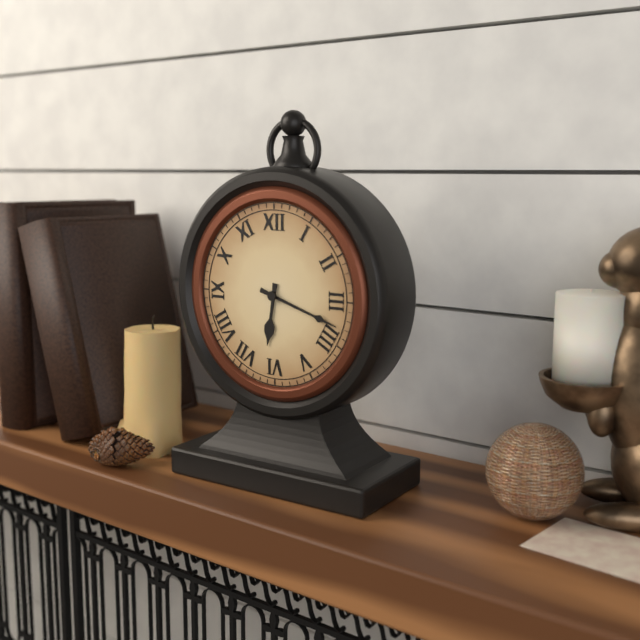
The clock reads 6.18
